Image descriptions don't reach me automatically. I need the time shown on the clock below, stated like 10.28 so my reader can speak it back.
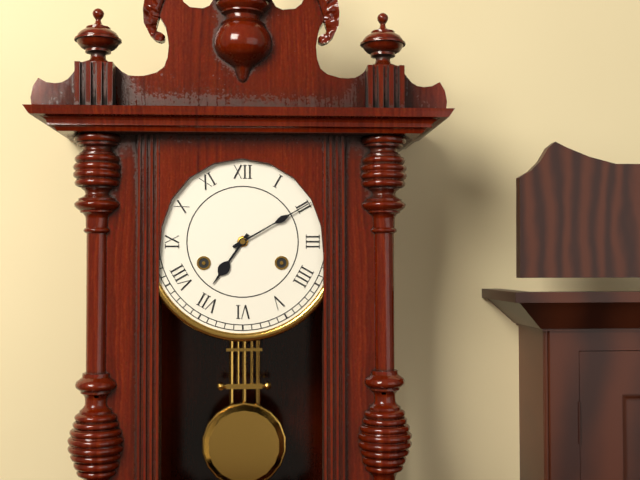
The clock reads 7.10
